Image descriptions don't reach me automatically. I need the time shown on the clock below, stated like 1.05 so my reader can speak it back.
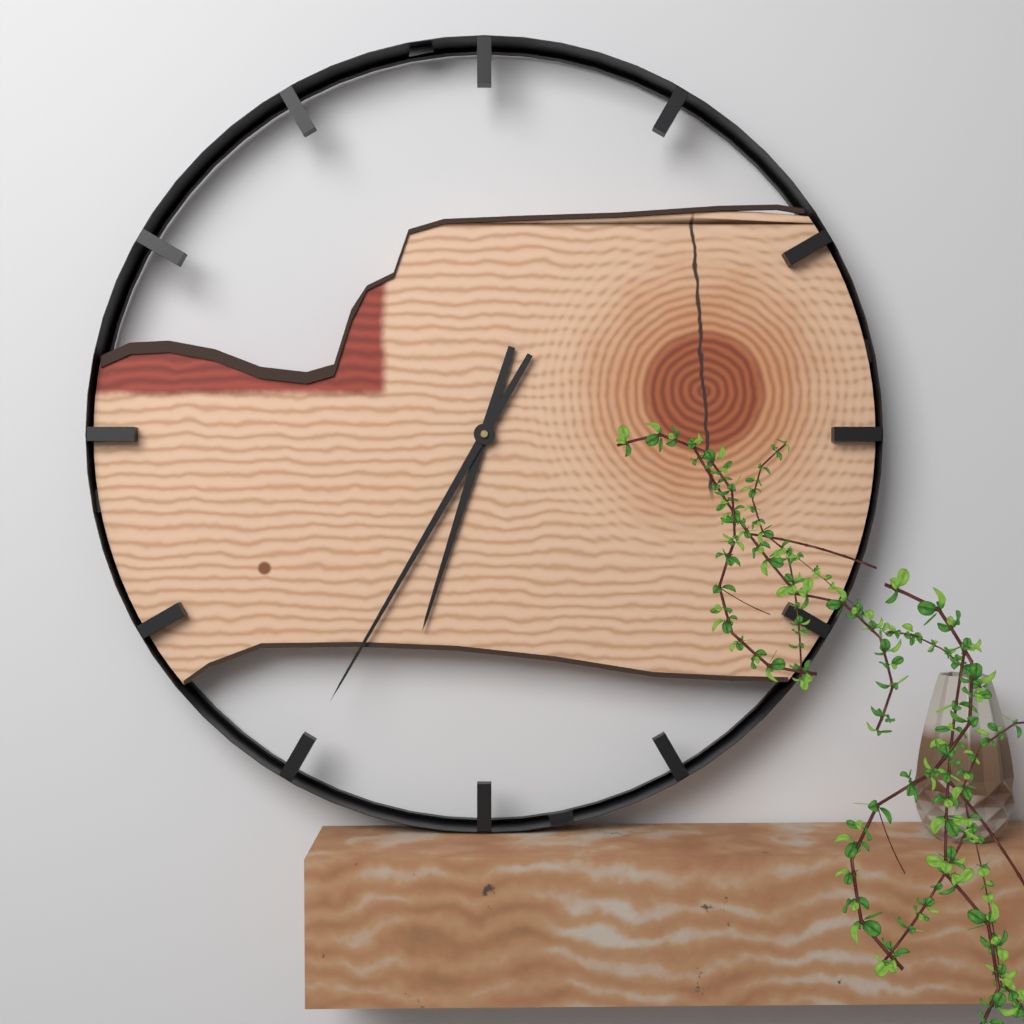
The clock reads 6.35
